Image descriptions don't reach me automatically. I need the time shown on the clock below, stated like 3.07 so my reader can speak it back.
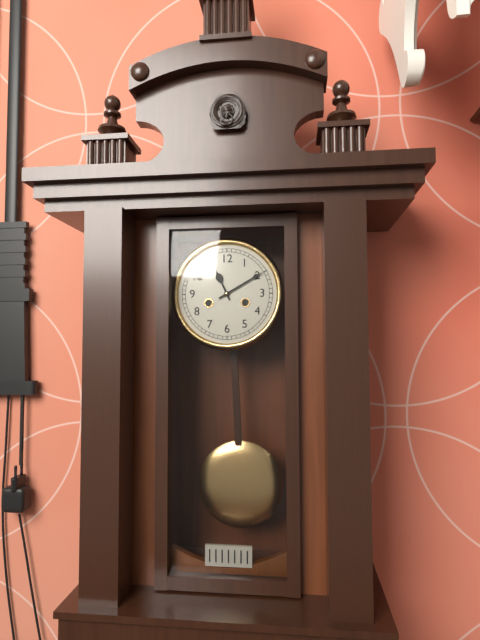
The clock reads 11.10
